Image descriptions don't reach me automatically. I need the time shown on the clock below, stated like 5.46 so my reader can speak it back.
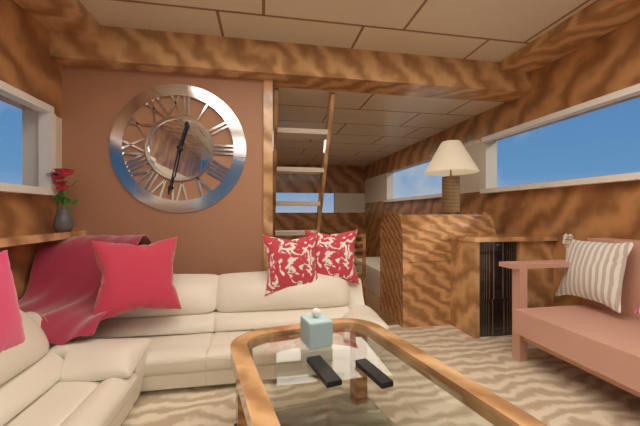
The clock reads 12.32
